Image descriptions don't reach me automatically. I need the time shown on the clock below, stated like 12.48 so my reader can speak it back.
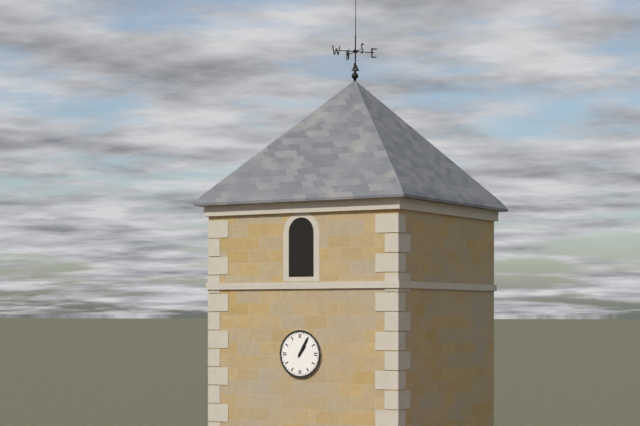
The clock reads 1.05
